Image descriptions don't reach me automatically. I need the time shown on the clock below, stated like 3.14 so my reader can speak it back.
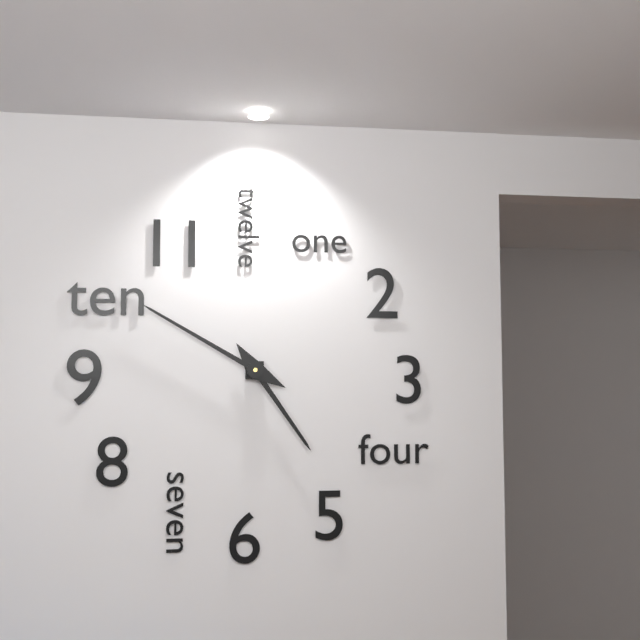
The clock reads 4.50
